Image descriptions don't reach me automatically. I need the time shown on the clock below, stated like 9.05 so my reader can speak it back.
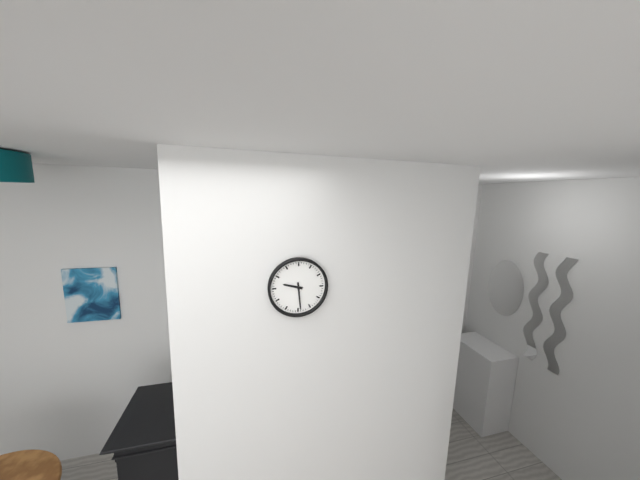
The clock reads 9.29
